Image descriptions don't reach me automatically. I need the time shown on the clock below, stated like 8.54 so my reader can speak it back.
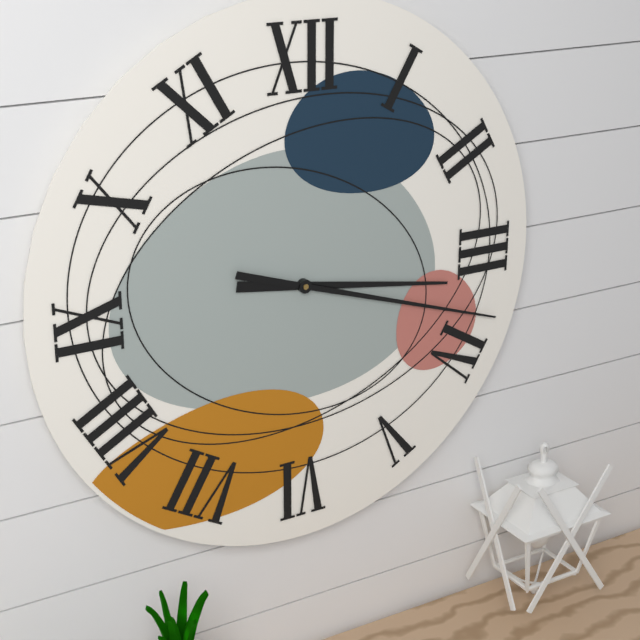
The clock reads 3.18
